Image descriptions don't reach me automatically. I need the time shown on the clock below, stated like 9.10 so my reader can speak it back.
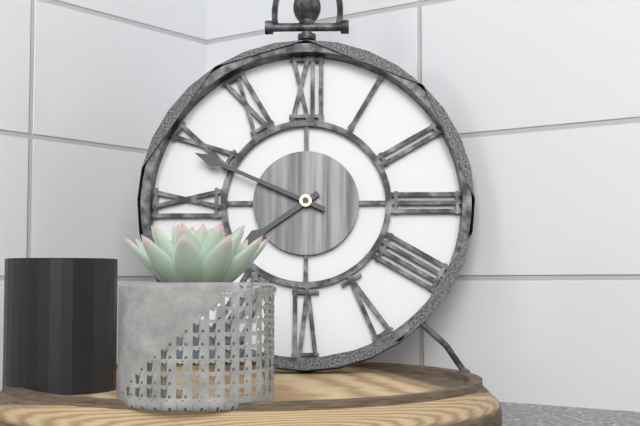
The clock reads 7.49
